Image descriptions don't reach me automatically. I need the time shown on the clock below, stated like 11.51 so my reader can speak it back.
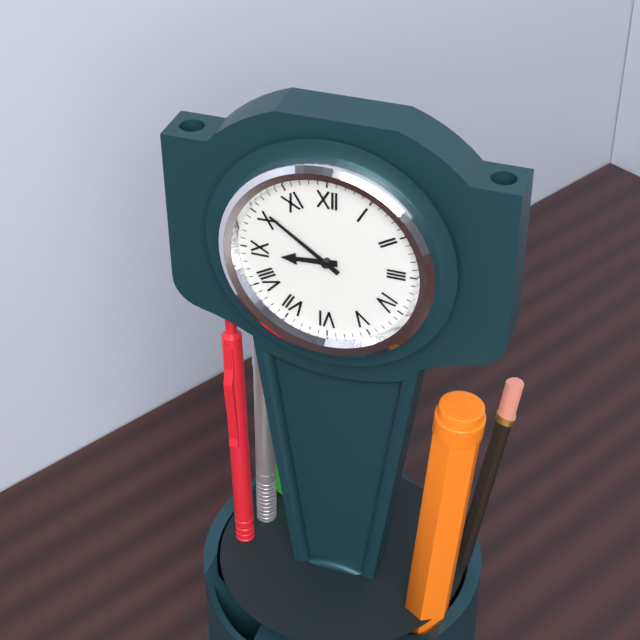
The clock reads 8.51
